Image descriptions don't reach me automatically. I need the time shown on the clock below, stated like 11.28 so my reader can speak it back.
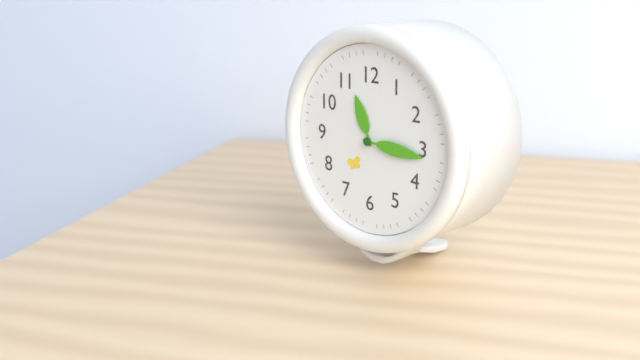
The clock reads 11.16
